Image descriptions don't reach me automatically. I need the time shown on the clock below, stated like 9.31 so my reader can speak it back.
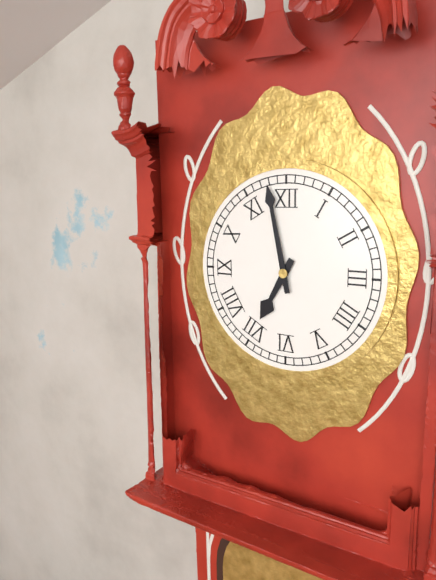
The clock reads 6.58
